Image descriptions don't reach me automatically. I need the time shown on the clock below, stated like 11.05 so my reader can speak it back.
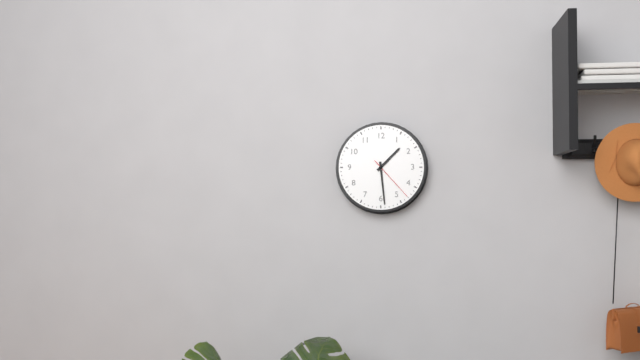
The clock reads 1.29
